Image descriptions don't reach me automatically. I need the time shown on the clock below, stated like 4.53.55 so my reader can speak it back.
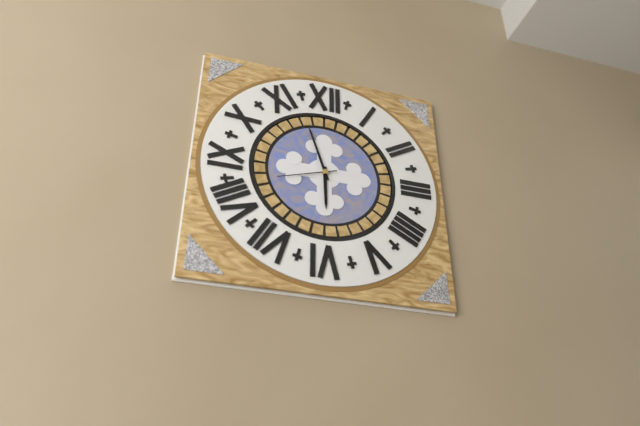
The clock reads 5.57.42
